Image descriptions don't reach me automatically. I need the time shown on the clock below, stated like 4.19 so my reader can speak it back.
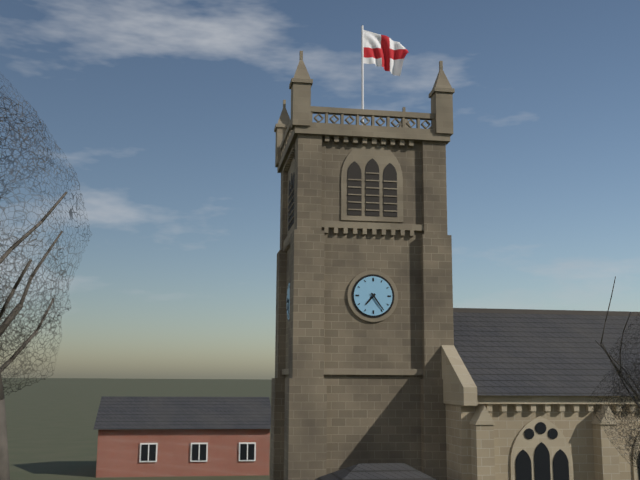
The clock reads 7.24
